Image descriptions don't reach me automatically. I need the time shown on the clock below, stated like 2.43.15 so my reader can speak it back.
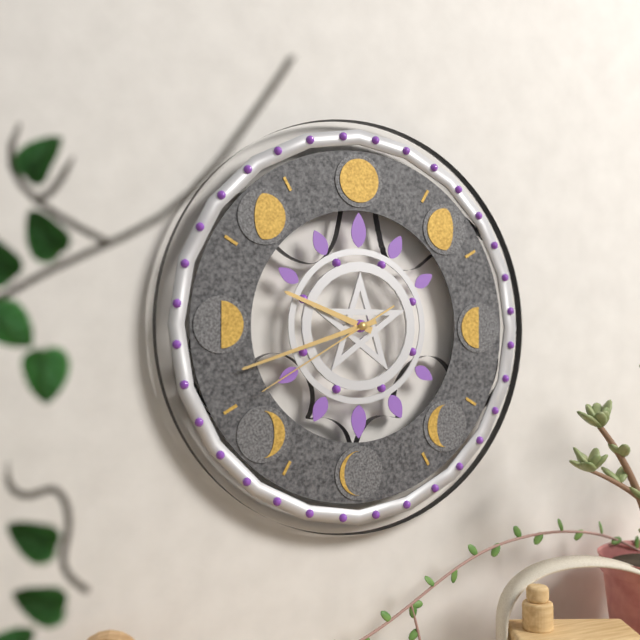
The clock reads 9.42.40
